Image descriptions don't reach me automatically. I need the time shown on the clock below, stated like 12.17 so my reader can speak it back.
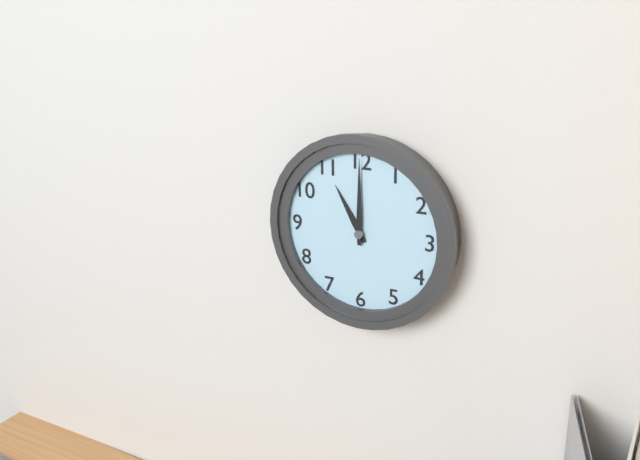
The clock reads 11.00
